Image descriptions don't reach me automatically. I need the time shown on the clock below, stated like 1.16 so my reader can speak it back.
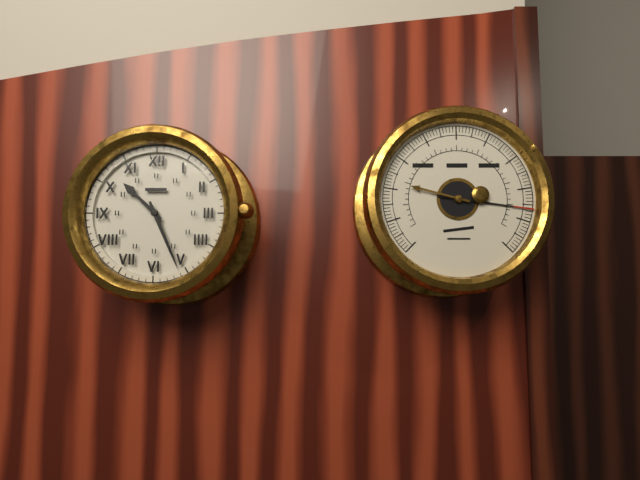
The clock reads 10.26
